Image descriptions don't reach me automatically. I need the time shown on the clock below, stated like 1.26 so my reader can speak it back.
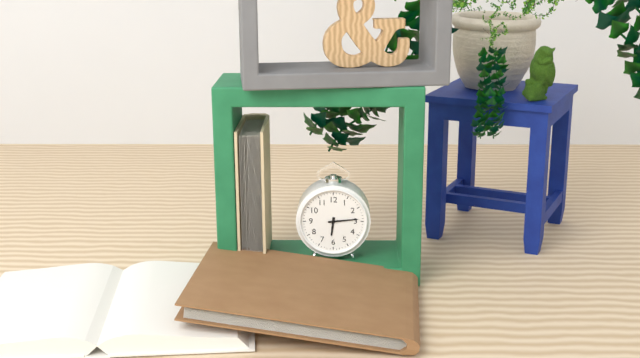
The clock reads 6.14
